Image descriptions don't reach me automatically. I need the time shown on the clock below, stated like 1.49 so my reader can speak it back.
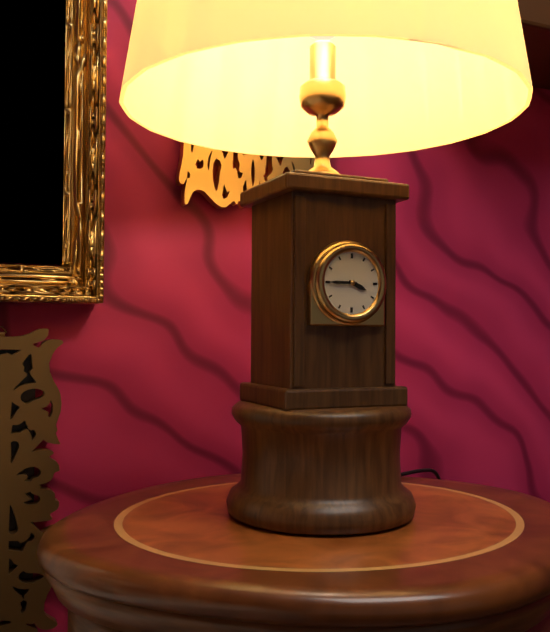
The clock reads 3.45
